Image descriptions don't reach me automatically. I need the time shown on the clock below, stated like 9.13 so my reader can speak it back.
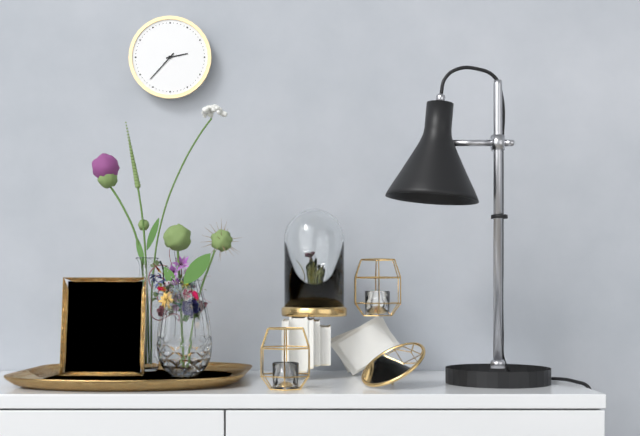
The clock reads 2.37
